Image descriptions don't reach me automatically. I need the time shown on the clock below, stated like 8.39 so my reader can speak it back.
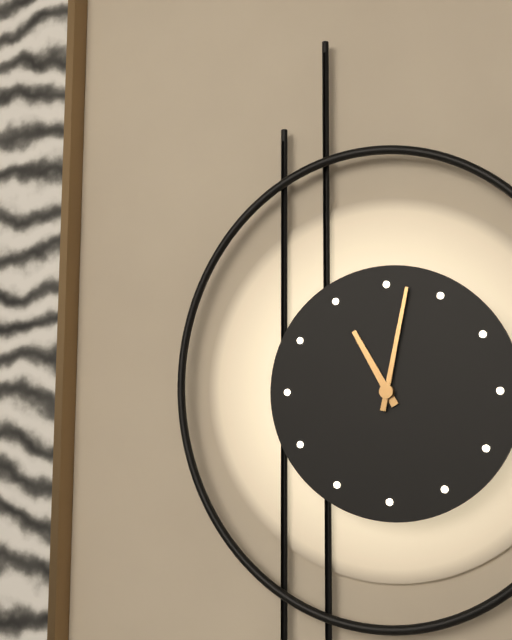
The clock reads 11.02
